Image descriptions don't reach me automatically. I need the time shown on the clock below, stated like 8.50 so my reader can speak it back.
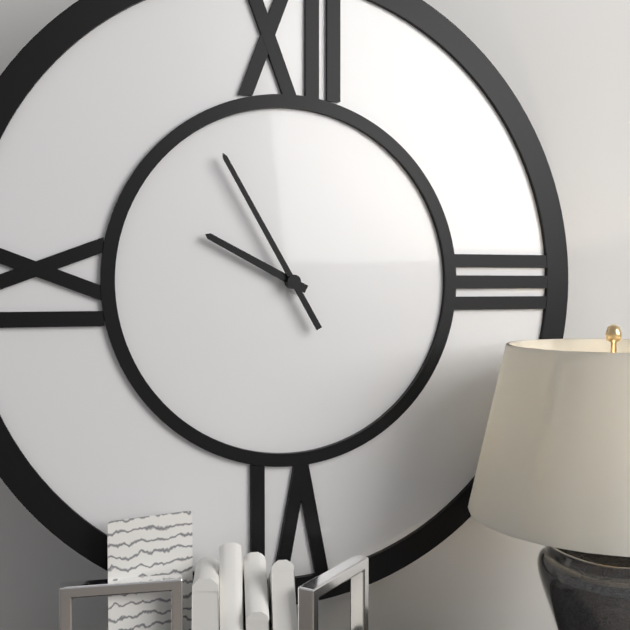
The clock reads 9.55
